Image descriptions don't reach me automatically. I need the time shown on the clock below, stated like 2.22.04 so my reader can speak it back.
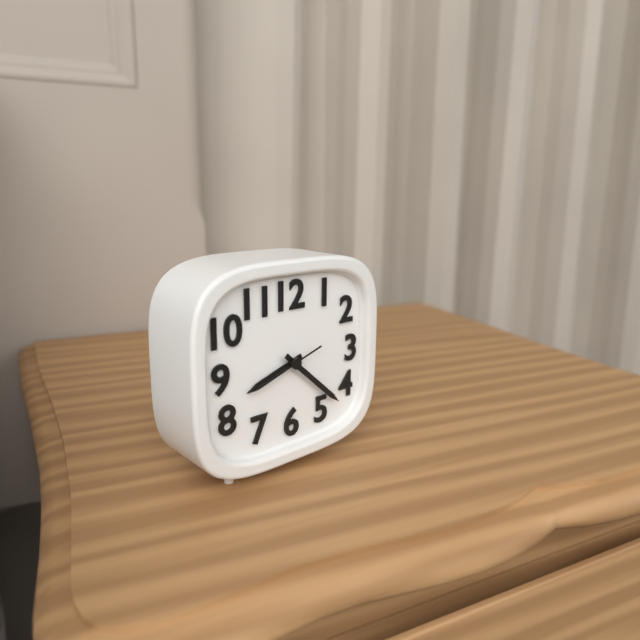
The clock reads 8.22.42
